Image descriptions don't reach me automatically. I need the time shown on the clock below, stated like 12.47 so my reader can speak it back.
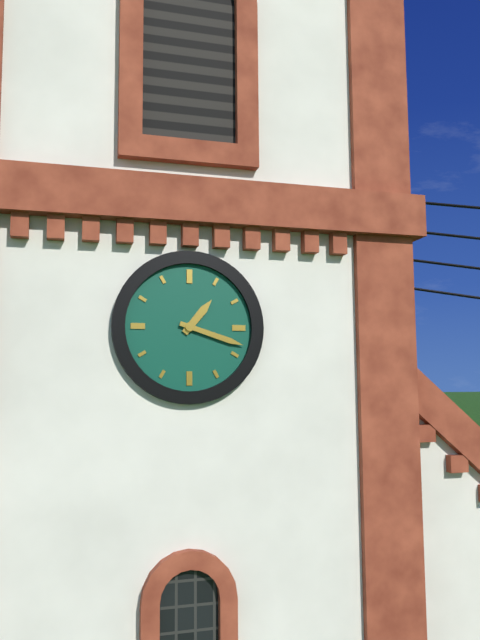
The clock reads 1.18
